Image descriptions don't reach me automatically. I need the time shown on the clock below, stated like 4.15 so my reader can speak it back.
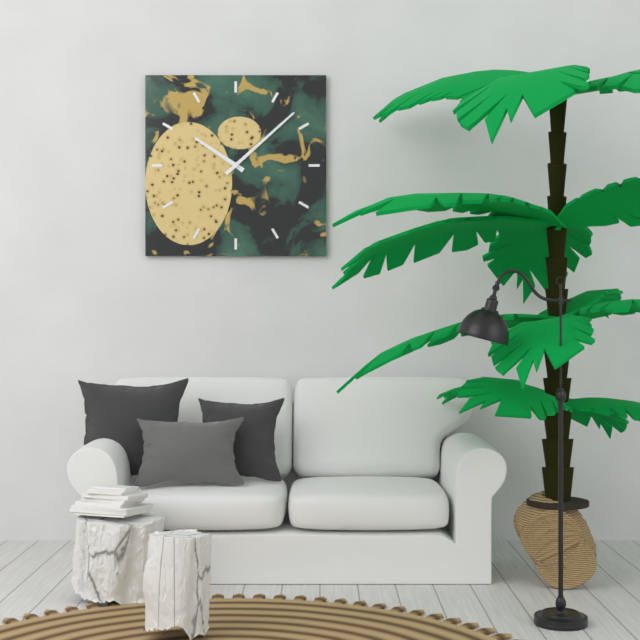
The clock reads 10.08
